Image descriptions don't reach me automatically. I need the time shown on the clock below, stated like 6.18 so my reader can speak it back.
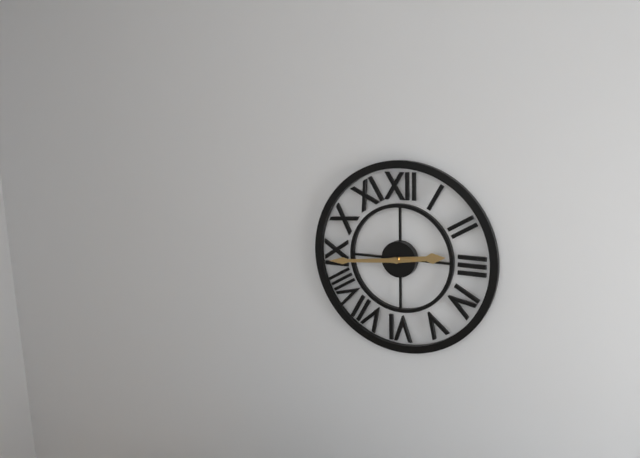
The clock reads 2.44
